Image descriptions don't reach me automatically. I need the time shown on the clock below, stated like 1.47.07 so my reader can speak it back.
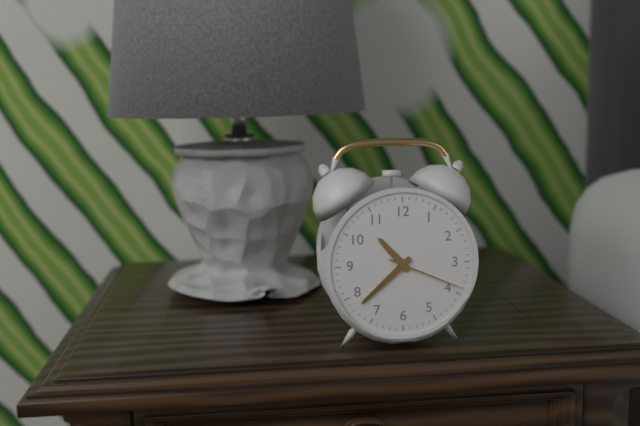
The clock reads 10.38.19
